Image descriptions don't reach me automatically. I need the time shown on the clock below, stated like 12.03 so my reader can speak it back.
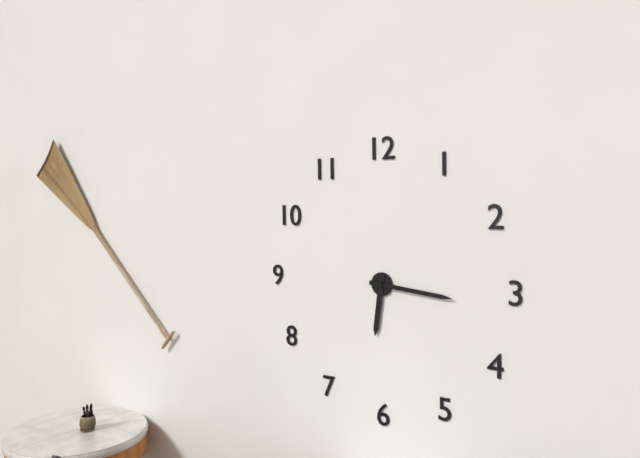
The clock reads 6.16
